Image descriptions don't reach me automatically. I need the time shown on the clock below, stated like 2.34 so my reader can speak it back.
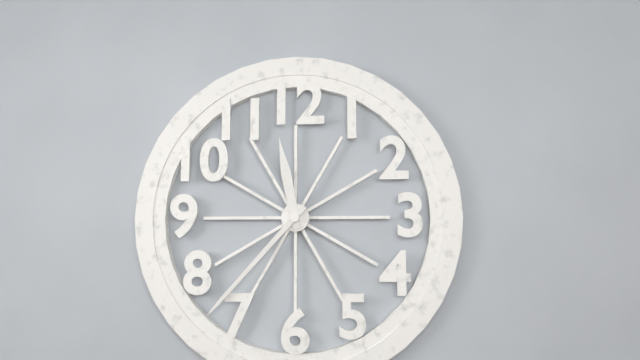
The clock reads 11.37
